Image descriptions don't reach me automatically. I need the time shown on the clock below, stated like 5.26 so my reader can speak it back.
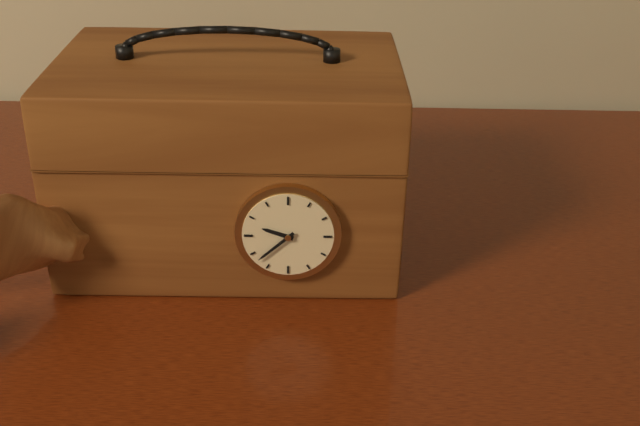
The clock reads 9.38
